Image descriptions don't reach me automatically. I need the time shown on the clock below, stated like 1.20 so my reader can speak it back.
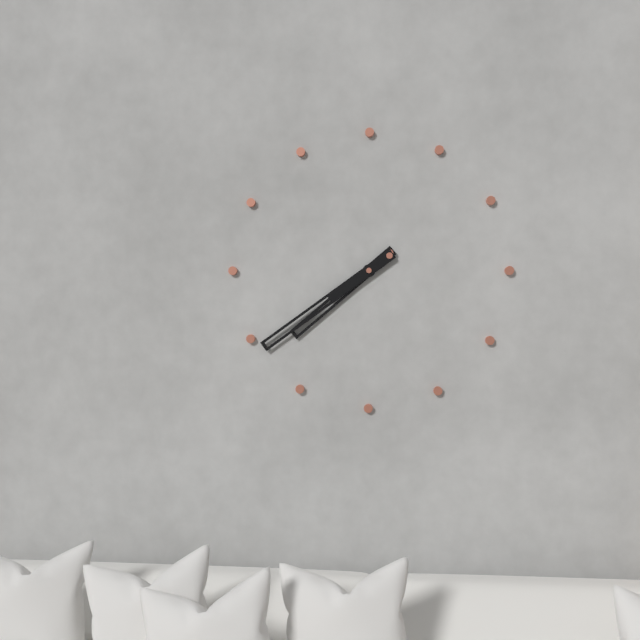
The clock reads 7.39
